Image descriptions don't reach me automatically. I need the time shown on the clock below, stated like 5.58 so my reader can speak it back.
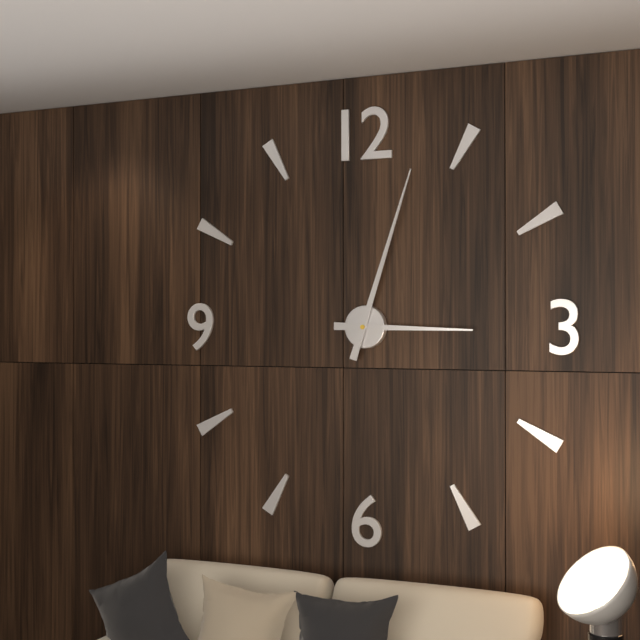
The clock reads 3.03
